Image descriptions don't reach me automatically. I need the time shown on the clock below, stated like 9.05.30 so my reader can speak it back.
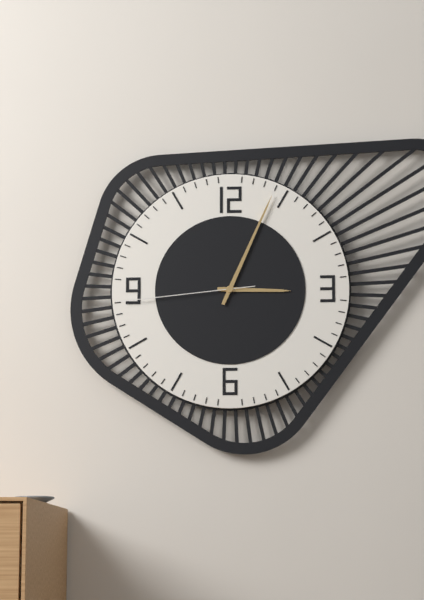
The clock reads 3.04.44
